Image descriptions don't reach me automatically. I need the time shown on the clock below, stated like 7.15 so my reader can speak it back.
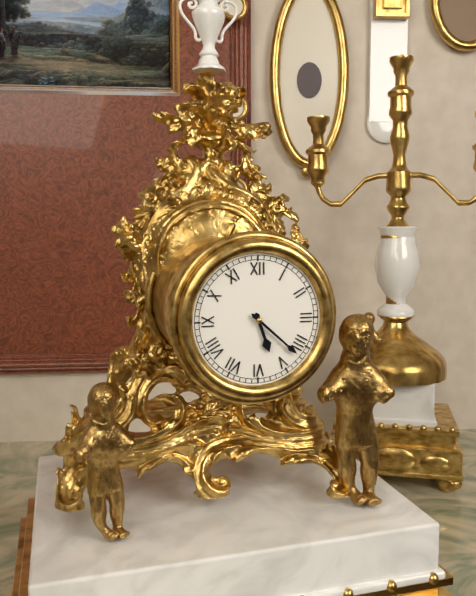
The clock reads 5.22
